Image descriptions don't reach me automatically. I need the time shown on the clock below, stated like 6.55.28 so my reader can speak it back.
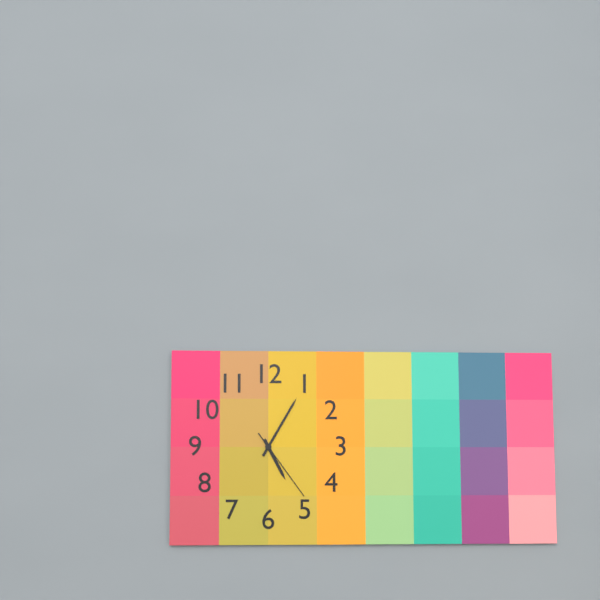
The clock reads 5.05.24
